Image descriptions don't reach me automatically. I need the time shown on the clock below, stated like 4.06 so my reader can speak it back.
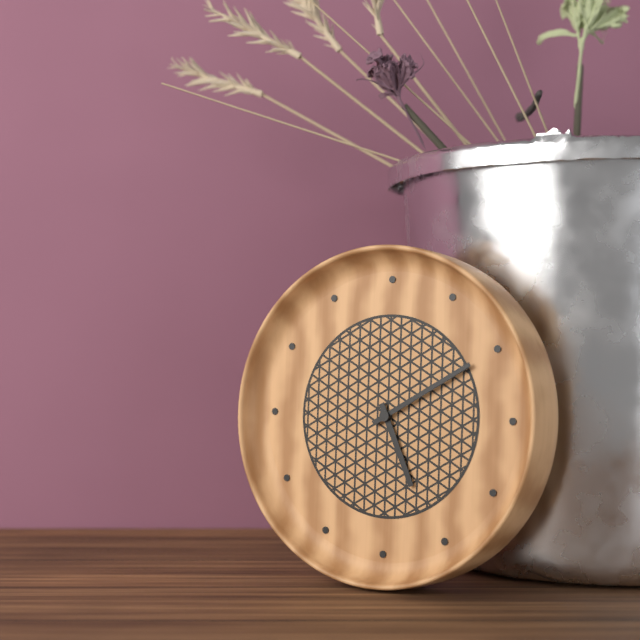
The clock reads 5.10
